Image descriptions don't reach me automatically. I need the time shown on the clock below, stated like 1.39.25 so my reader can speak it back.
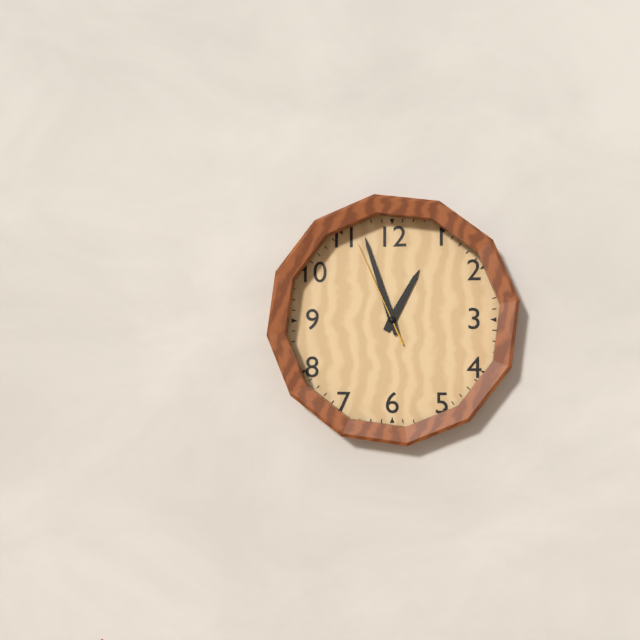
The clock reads 12.57.56
